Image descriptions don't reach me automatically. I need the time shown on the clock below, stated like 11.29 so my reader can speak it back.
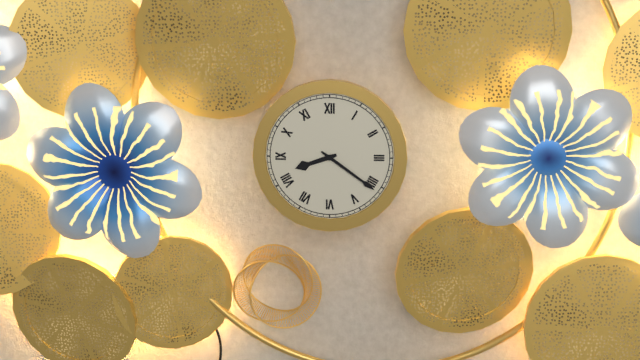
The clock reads 8.21
